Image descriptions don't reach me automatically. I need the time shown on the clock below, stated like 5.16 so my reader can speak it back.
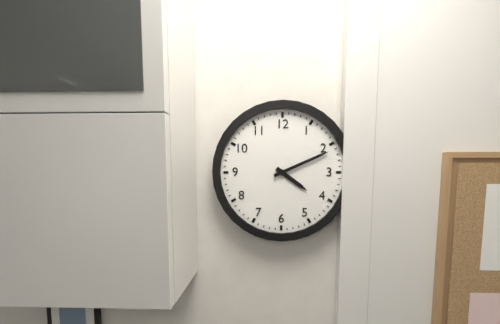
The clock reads 4.11
